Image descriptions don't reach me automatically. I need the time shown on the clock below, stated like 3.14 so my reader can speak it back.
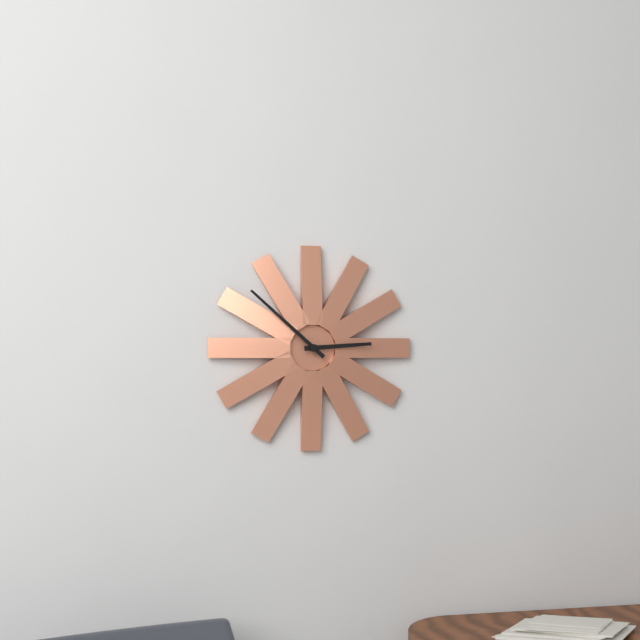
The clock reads 2.52
